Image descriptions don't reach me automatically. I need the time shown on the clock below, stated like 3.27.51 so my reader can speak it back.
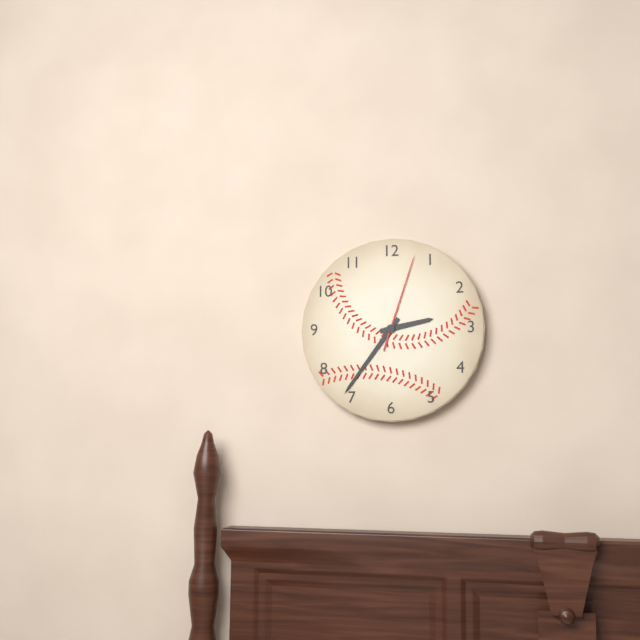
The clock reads 2.36.03
